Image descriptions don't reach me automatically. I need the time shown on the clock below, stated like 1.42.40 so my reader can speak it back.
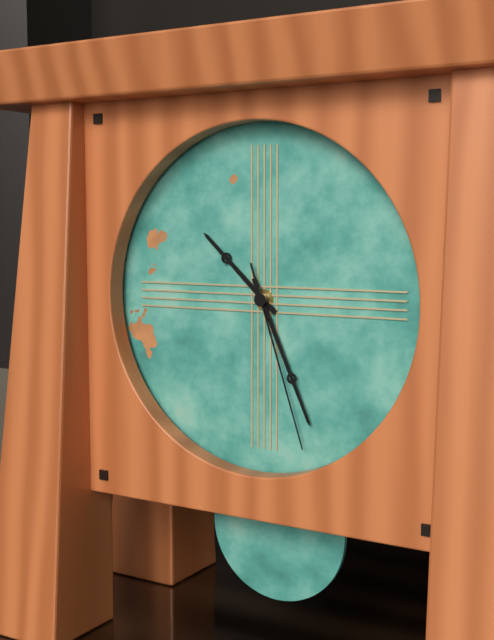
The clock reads 10.26.27
